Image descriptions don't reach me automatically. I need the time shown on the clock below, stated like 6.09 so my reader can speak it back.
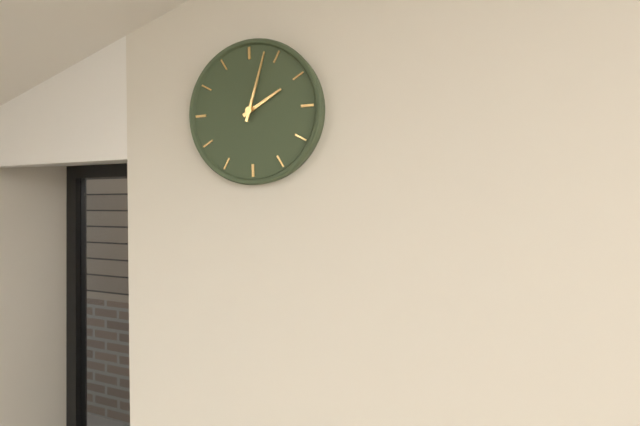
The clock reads 2.03
